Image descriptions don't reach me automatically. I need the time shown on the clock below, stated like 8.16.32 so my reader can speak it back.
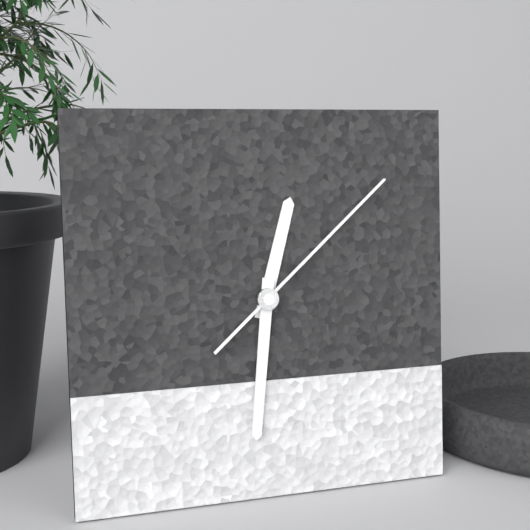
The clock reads 12.31.08
